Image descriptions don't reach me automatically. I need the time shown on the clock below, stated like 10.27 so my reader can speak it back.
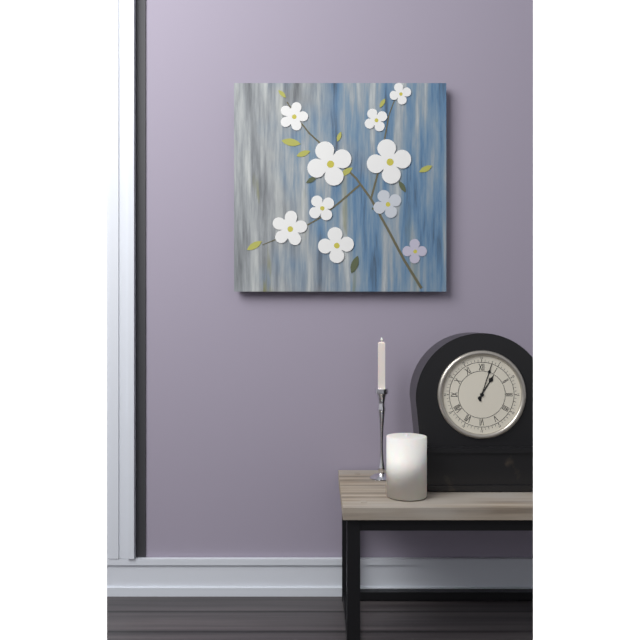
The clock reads 1.03
